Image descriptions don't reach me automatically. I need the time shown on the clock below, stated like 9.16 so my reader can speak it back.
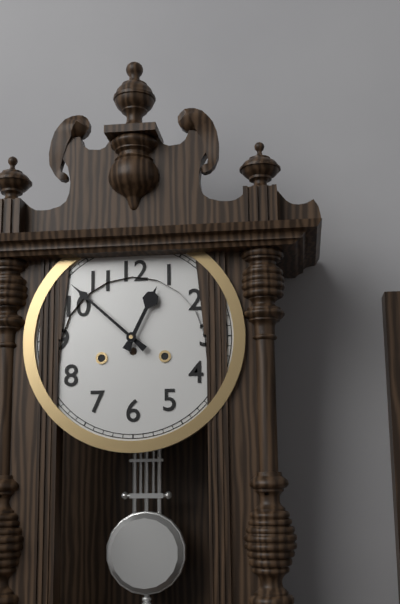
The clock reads 12.52
